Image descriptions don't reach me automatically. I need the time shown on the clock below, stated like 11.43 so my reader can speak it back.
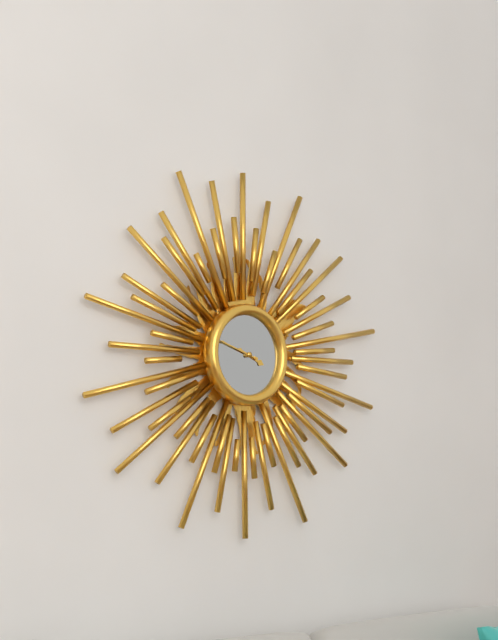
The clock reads 3.48
